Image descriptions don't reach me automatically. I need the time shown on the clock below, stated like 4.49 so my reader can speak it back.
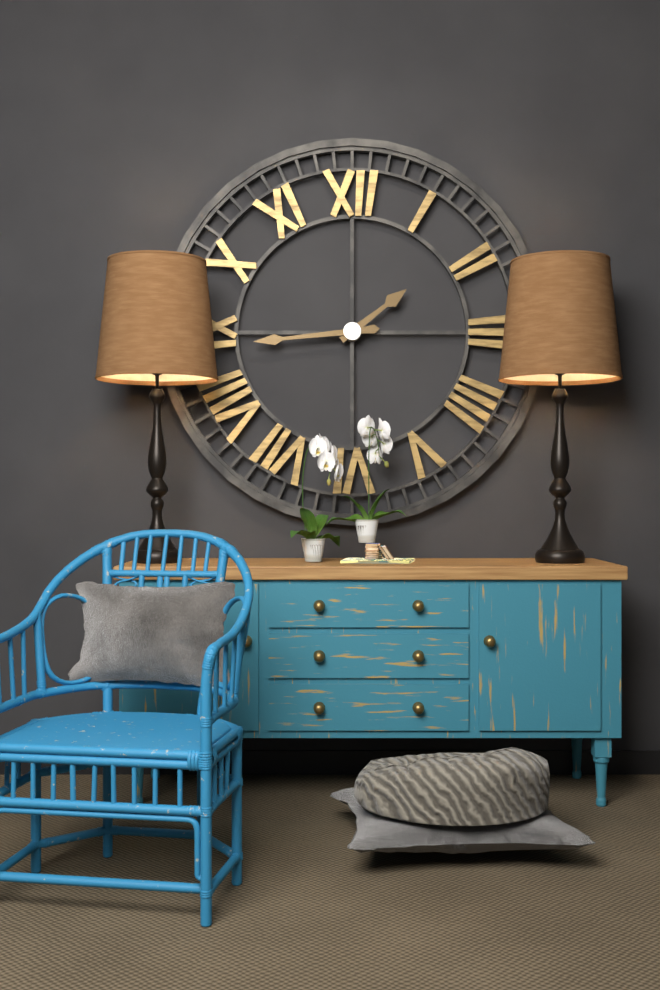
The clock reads 1.44
